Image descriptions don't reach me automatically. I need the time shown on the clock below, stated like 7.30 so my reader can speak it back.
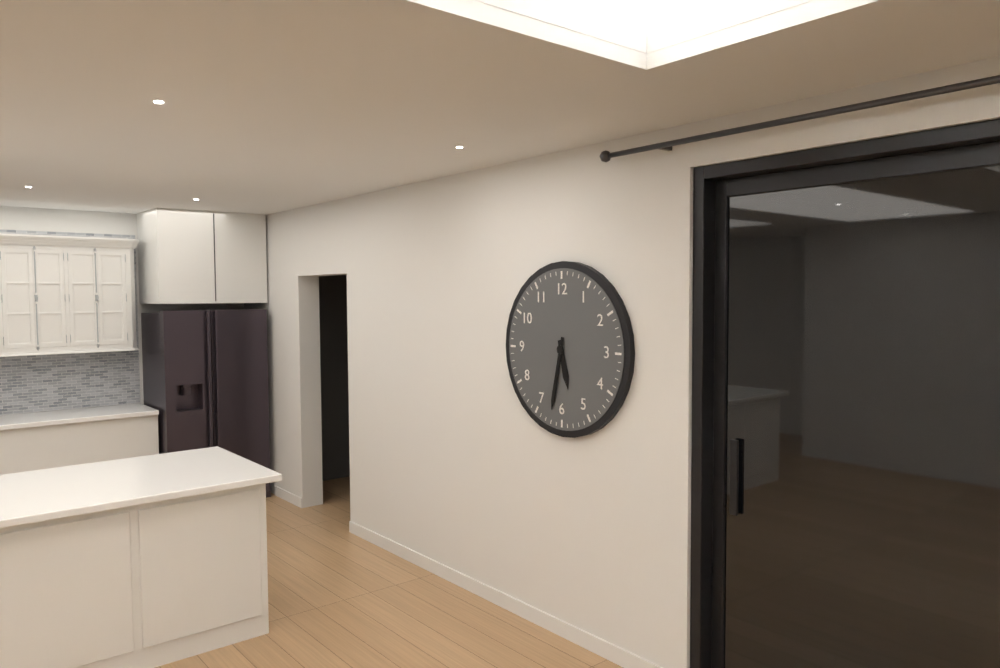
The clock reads 5.32
